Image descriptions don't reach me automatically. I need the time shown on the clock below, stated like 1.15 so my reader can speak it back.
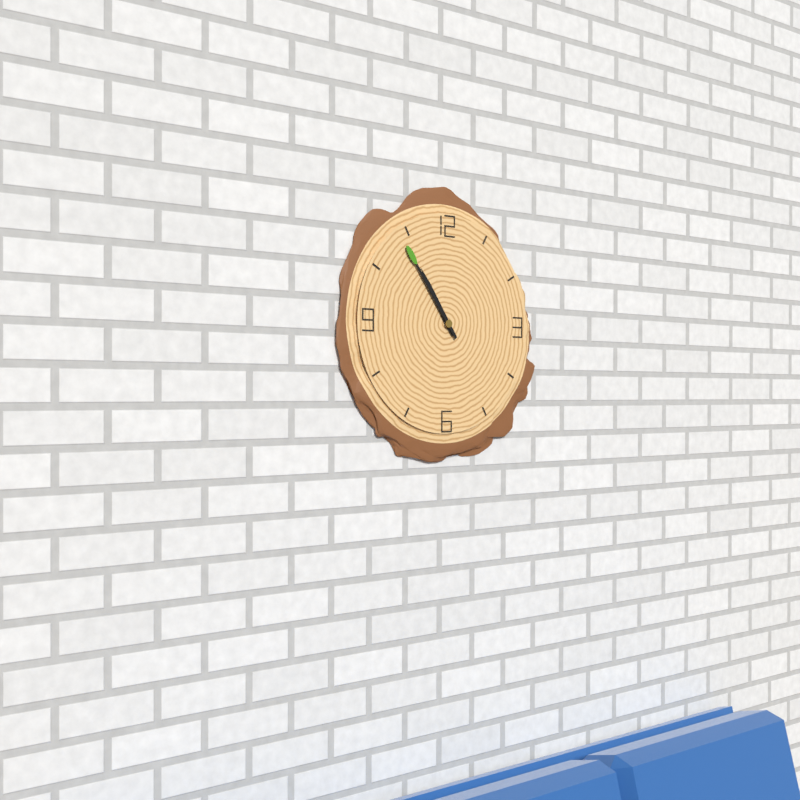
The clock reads 10.54
